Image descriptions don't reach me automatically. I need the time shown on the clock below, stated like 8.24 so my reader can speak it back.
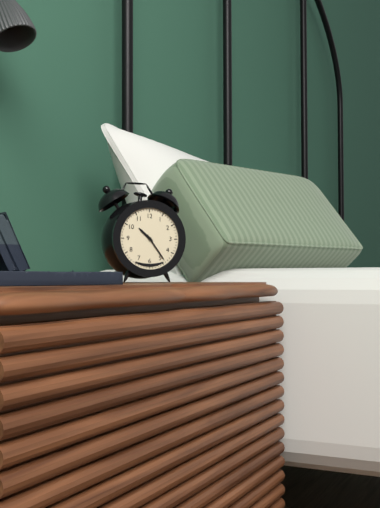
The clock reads 10.24
